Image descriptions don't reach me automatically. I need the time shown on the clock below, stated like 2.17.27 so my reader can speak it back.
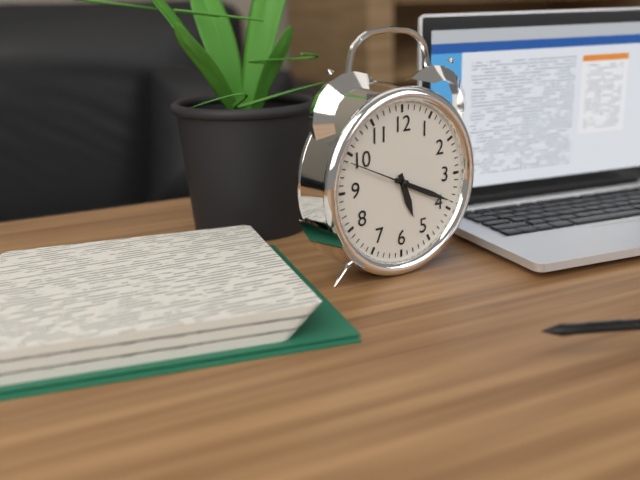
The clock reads 5.19.49
